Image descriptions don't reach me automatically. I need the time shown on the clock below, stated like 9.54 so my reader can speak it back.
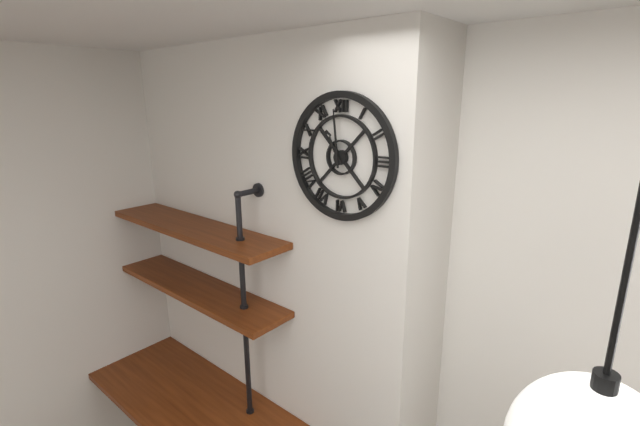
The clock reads 10.59
